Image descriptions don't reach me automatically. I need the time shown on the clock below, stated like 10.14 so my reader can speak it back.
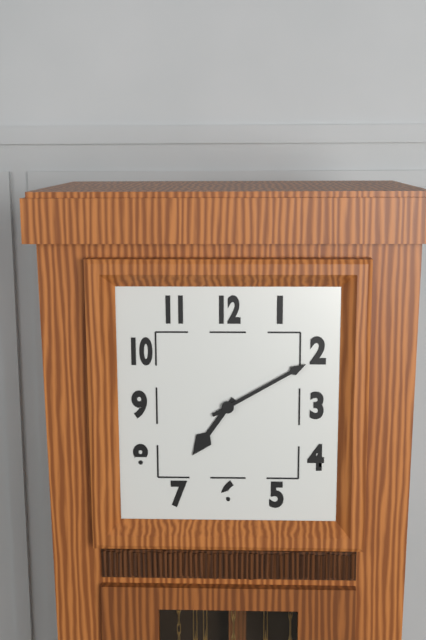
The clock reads 7.10
